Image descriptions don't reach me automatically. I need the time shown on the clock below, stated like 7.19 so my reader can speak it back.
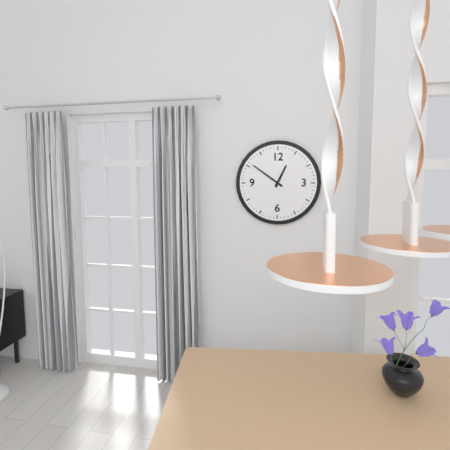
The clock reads 12.51
